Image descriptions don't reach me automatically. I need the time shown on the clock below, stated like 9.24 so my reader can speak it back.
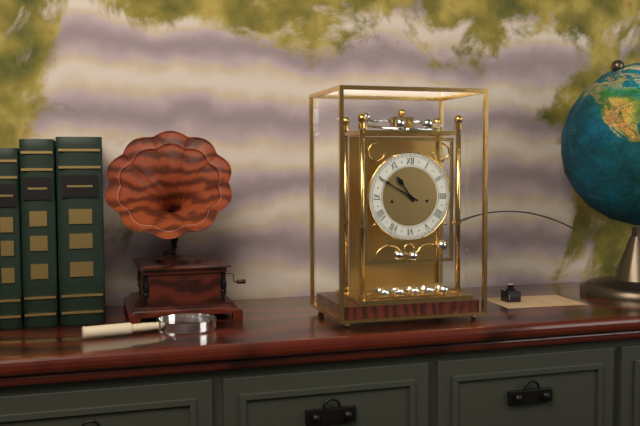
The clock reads 10.50
